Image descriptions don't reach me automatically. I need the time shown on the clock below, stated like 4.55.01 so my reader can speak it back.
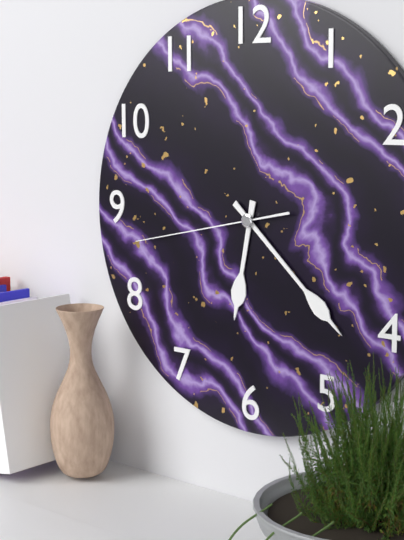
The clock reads 6.22.43
